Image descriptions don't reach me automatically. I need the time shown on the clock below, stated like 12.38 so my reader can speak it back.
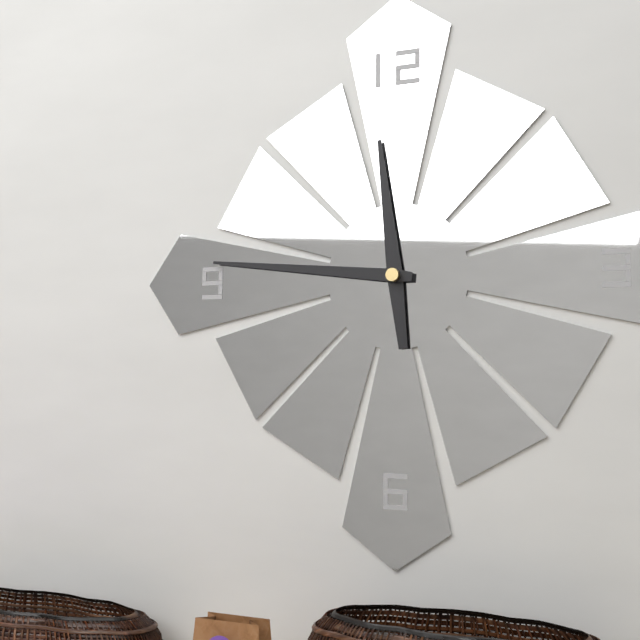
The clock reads 11.46
